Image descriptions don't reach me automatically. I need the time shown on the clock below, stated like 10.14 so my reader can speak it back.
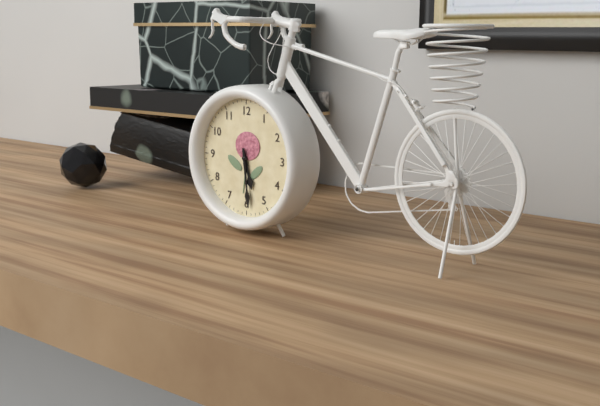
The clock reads 5.29
